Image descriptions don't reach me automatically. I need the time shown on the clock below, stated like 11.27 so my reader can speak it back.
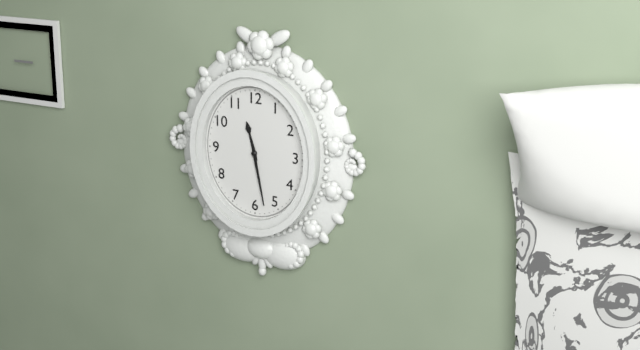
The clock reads 11.28
